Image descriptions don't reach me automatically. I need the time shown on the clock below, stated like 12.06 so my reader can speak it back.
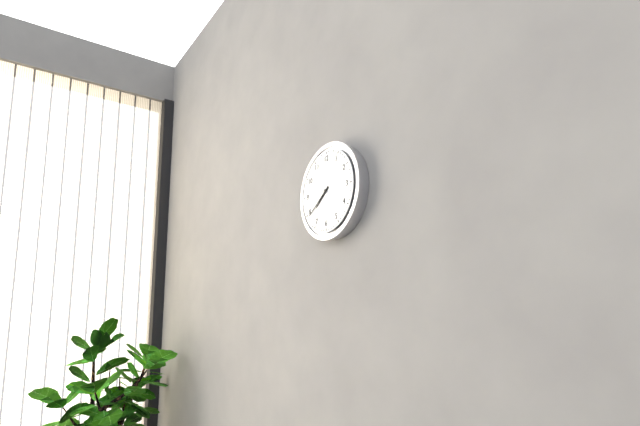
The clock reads 7.39
